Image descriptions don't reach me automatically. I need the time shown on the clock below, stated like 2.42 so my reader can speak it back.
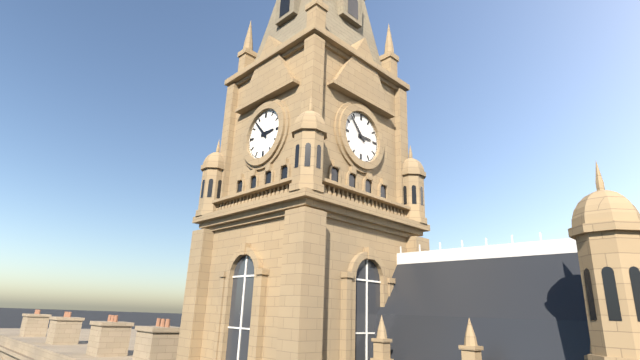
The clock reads 2.53
